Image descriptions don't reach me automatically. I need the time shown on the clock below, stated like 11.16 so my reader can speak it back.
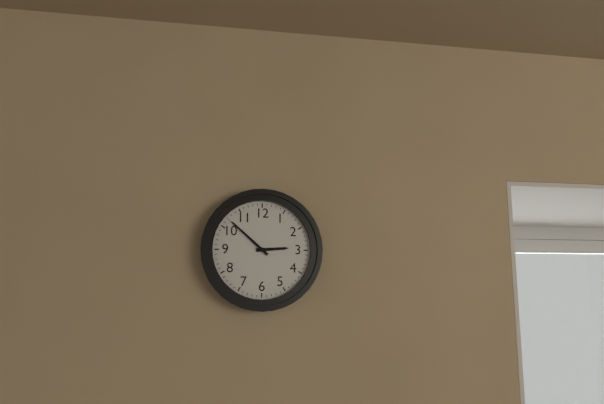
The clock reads 2.52
